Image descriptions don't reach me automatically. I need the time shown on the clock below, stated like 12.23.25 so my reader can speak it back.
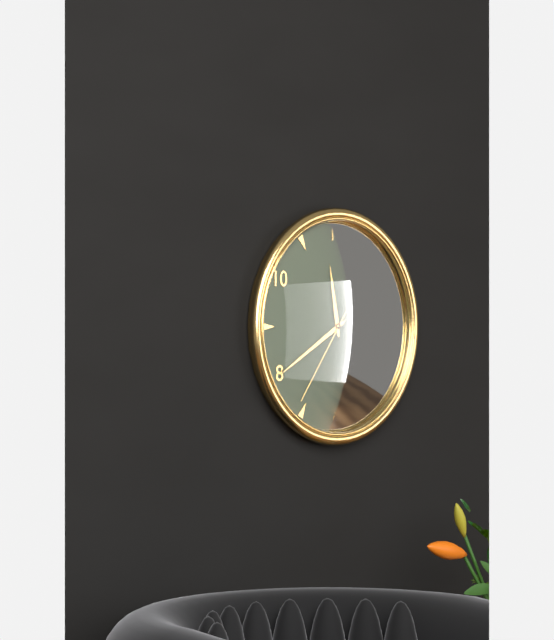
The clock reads 11.40.36
